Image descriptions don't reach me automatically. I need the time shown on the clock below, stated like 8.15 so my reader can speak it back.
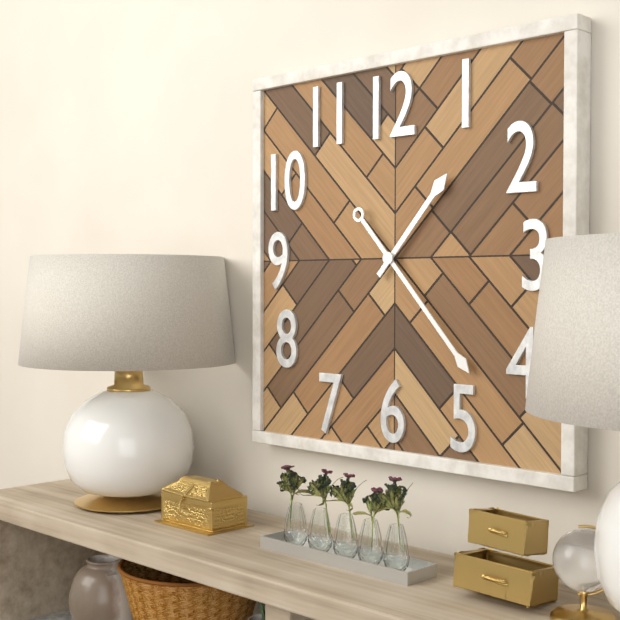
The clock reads 1.23
